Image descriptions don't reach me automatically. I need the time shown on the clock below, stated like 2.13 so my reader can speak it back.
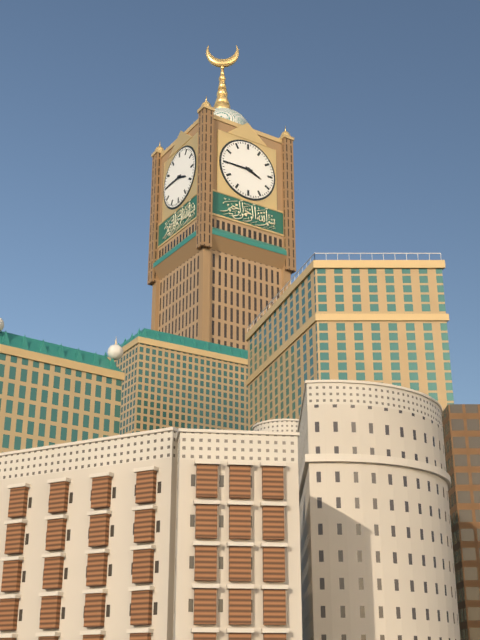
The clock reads 3.45
